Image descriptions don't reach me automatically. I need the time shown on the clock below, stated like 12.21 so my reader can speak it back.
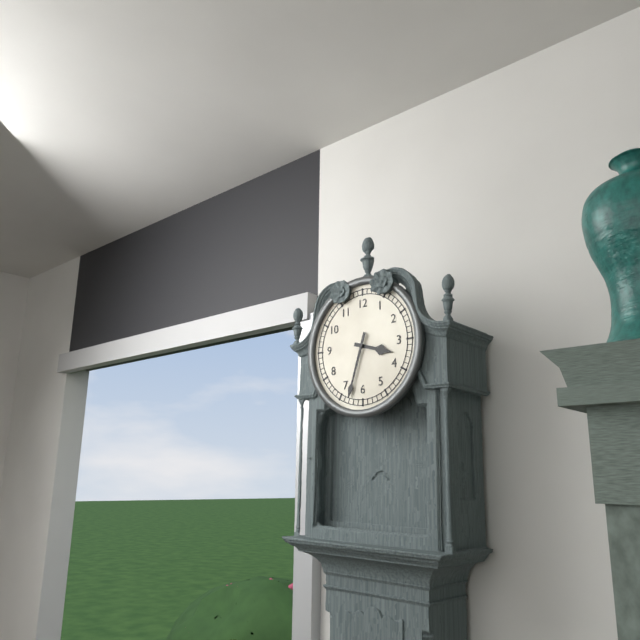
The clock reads 3.33
